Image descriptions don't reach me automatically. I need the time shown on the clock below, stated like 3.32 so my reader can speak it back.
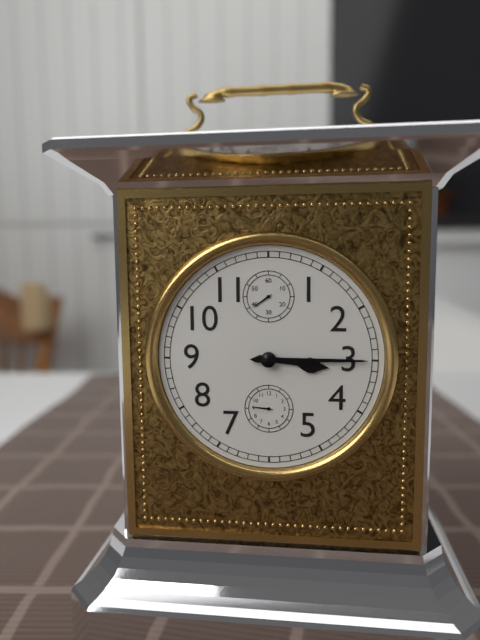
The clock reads 3.15
